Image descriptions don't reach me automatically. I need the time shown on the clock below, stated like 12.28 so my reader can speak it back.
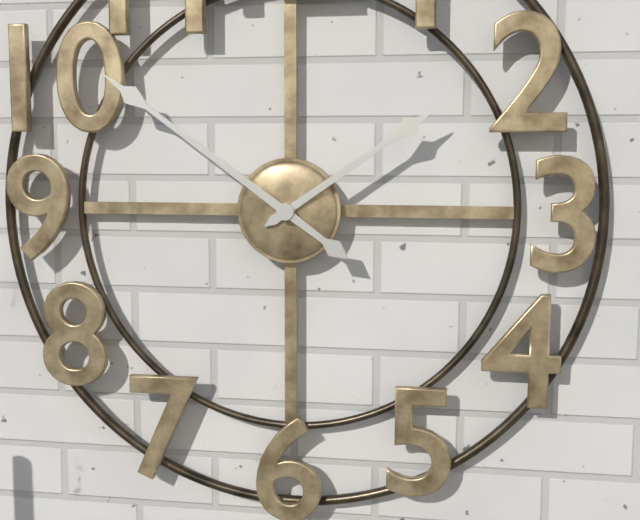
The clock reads 1.51
